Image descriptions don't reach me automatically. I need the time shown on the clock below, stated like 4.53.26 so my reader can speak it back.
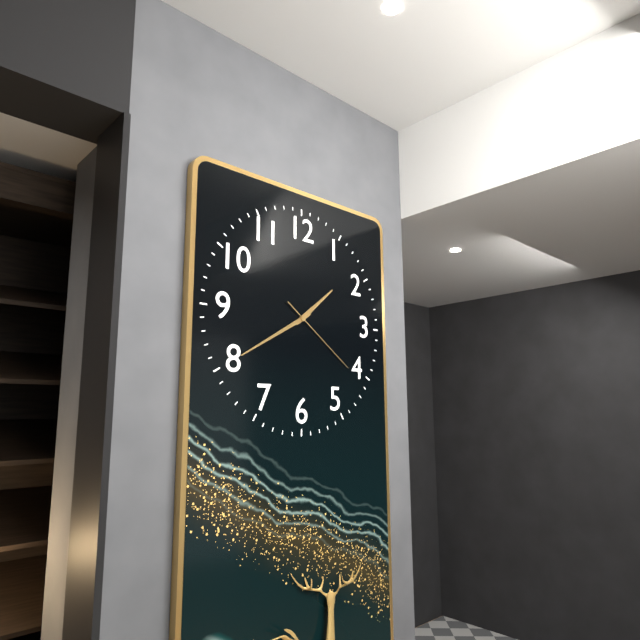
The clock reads 1.40.21
